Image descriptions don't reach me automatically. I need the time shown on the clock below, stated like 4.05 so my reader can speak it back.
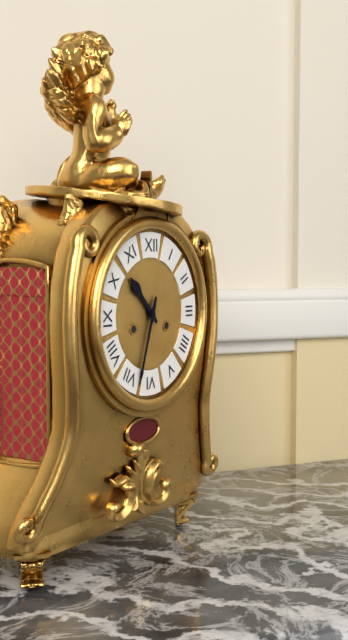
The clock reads 10.33
